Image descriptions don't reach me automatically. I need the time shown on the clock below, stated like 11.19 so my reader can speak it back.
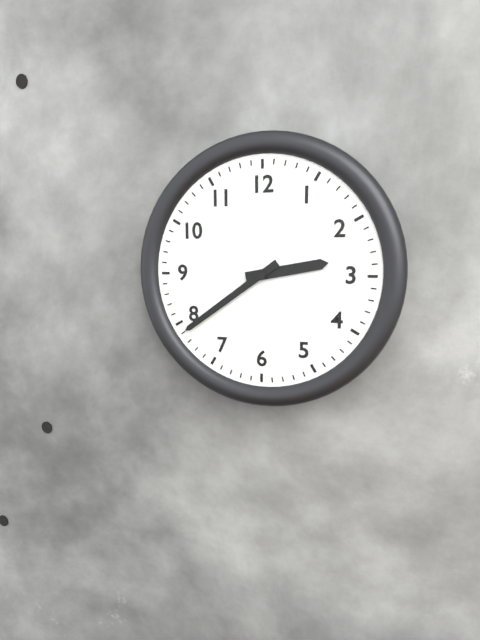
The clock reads 2.39
